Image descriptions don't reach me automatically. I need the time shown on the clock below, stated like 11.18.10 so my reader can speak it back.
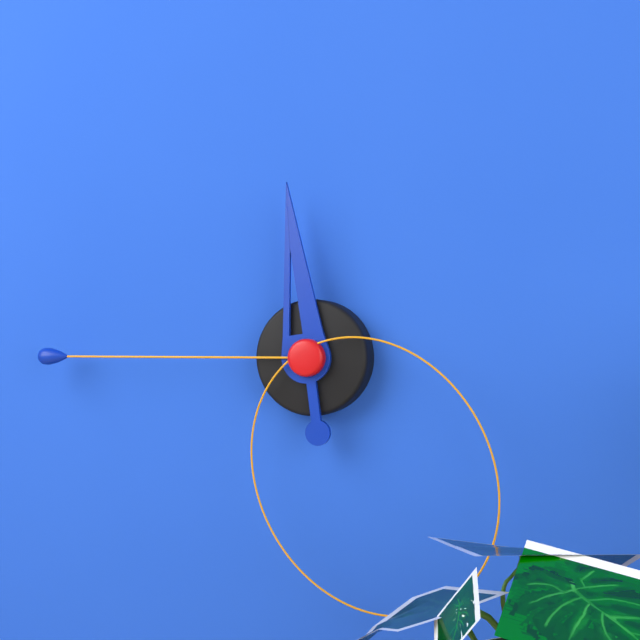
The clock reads 11.45.25
